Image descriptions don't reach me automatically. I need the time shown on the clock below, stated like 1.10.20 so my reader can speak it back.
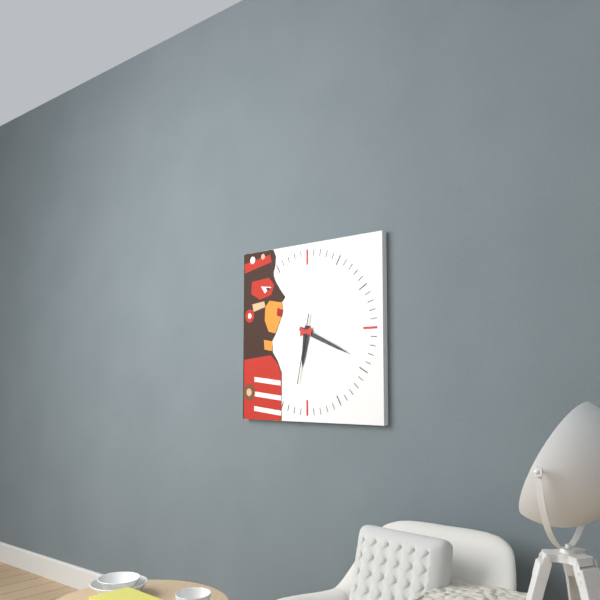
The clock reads 6.19.32
